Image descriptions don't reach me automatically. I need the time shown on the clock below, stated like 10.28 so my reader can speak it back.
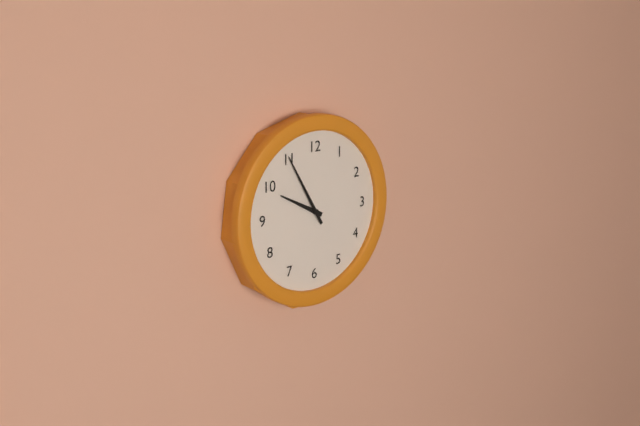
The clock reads 9.55
